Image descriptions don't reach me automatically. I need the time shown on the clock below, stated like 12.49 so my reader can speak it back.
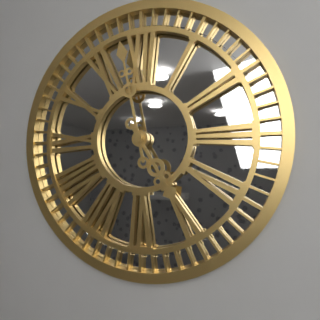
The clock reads 4.58
